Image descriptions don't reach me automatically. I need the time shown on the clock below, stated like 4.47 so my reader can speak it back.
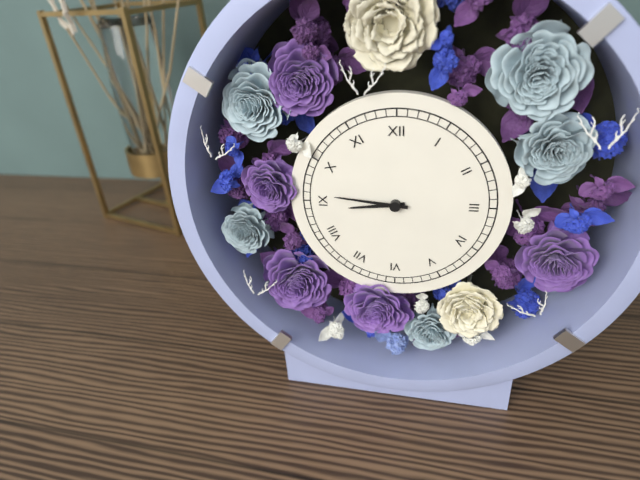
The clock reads 8.46
